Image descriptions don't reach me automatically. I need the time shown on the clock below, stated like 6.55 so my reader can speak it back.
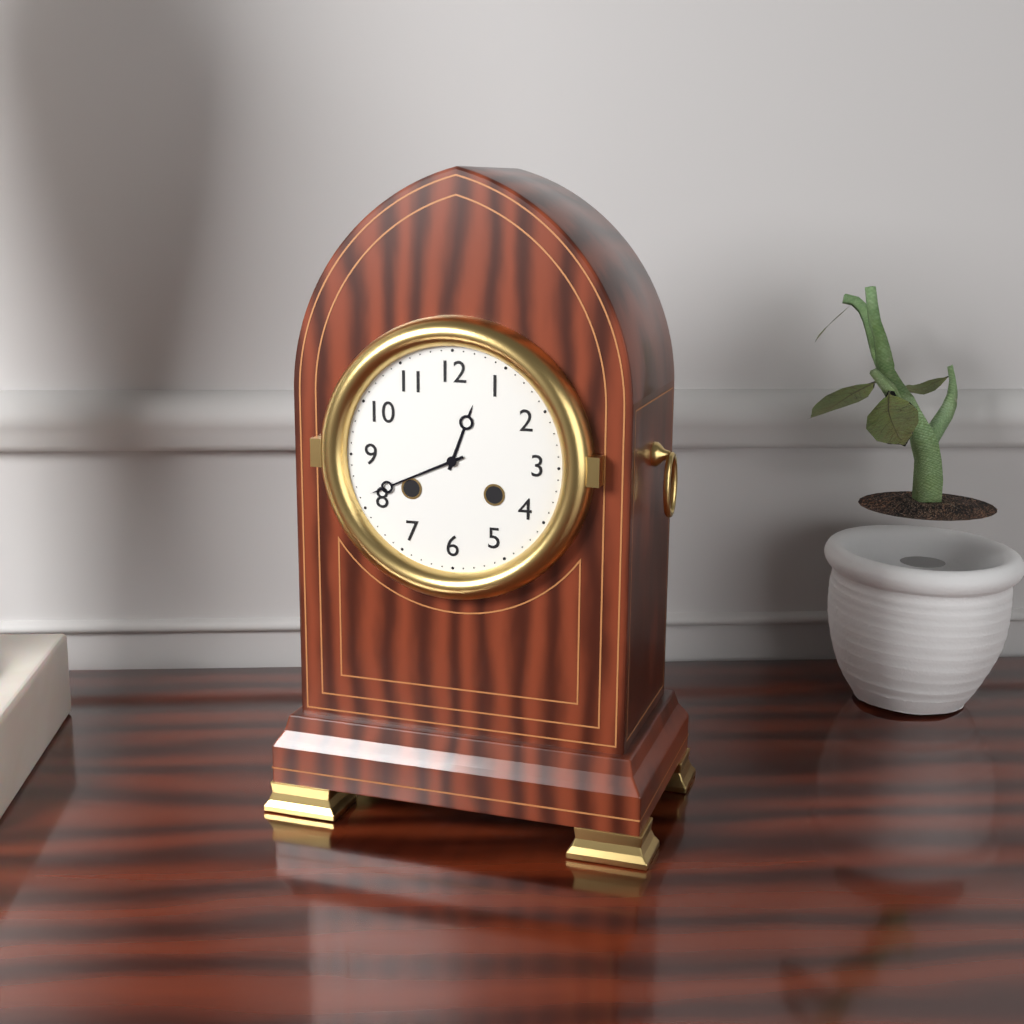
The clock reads 12.41
